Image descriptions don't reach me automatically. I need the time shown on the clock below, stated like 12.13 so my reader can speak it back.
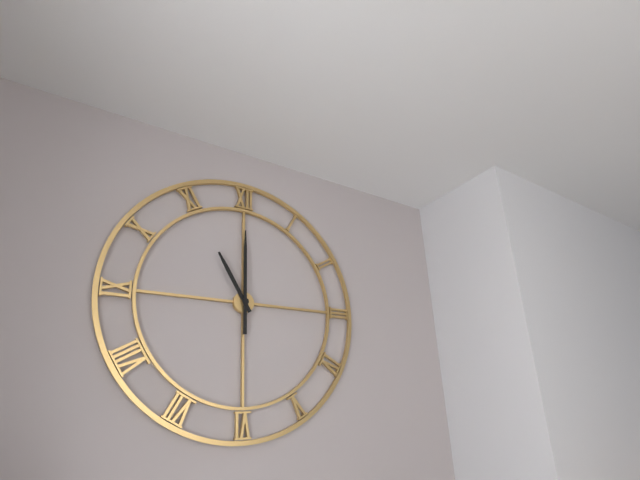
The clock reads 11.00
